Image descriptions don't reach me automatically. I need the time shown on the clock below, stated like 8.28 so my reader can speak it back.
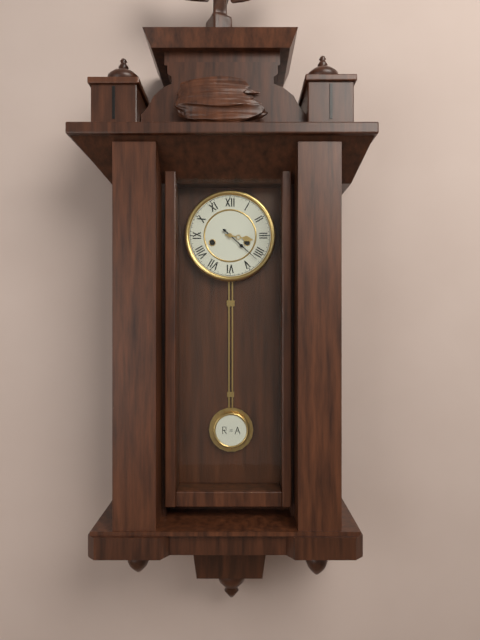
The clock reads 3.22
